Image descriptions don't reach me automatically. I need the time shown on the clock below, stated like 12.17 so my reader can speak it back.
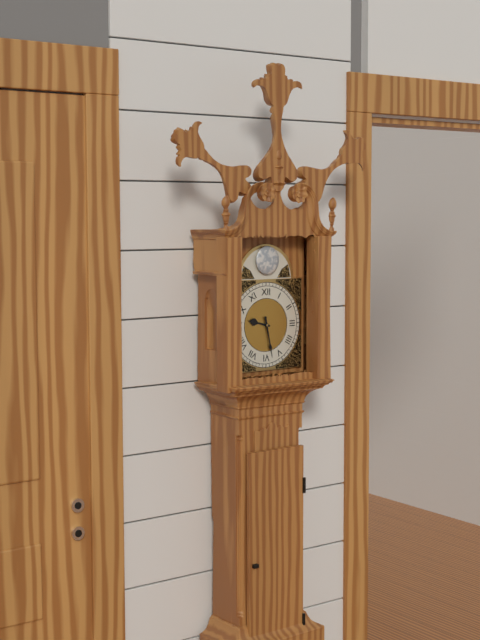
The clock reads 9.28
